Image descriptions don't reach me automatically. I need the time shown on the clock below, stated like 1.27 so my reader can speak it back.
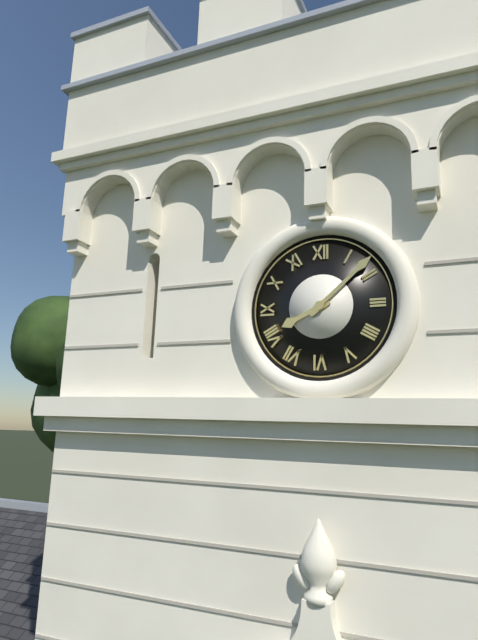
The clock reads 8.08
